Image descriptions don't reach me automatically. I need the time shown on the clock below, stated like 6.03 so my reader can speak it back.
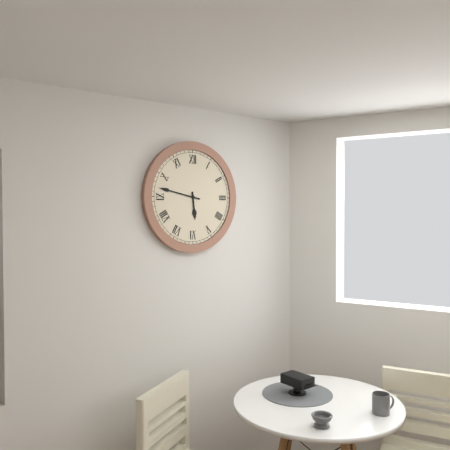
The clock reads 5.47
